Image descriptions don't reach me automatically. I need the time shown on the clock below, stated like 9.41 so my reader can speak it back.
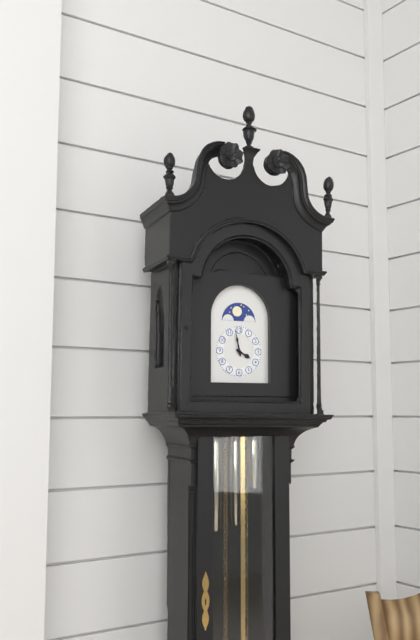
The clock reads 3.58
